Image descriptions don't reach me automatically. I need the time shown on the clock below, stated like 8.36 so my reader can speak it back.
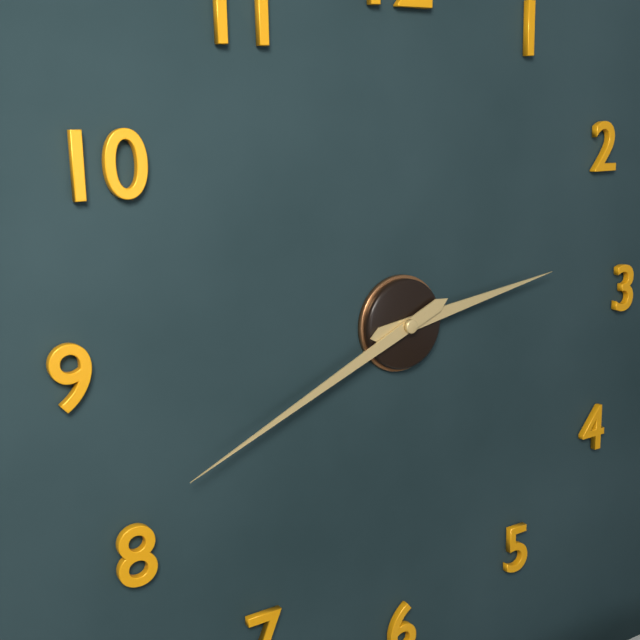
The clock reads 2.41
